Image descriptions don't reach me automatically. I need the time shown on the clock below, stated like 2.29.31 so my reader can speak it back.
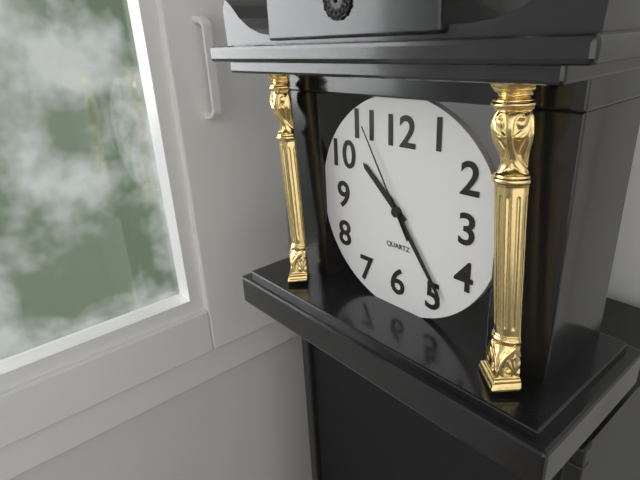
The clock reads 10.24.55
